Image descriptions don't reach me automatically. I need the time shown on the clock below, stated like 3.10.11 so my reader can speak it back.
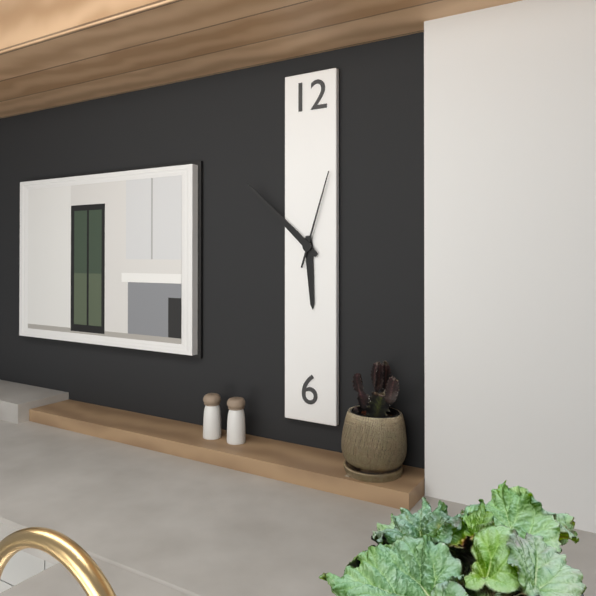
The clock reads 5.52.03
